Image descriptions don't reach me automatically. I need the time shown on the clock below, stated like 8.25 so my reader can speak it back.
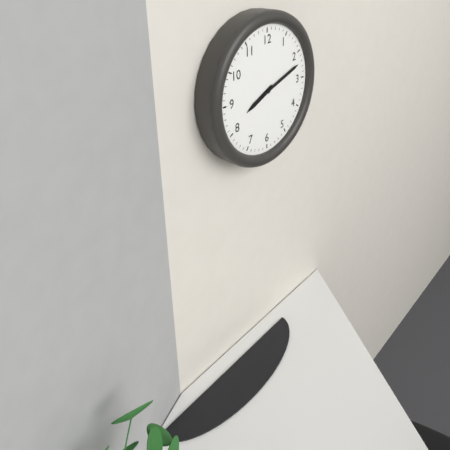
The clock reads 8.12
